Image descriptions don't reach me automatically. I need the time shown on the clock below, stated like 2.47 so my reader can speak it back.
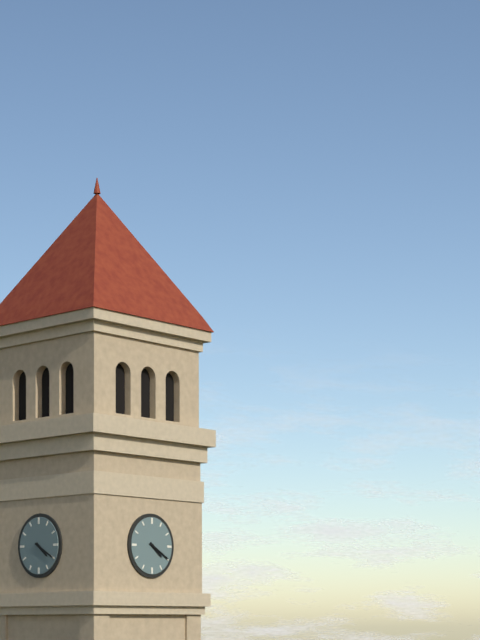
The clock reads 4.20
